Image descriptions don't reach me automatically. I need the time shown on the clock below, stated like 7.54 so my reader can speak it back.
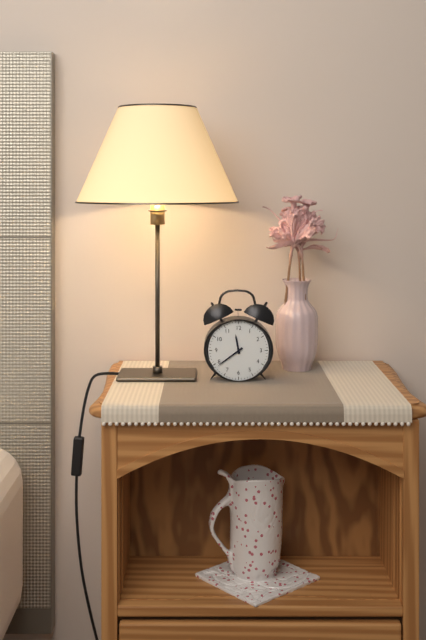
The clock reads 11.39
